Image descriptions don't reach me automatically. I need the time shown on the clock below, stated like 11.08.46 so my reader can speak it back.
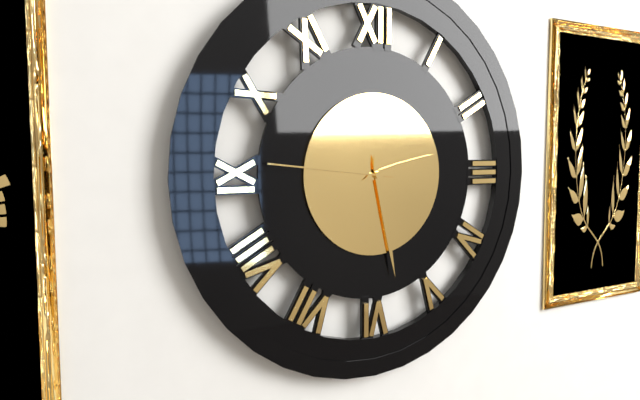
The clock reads 2.28.46
